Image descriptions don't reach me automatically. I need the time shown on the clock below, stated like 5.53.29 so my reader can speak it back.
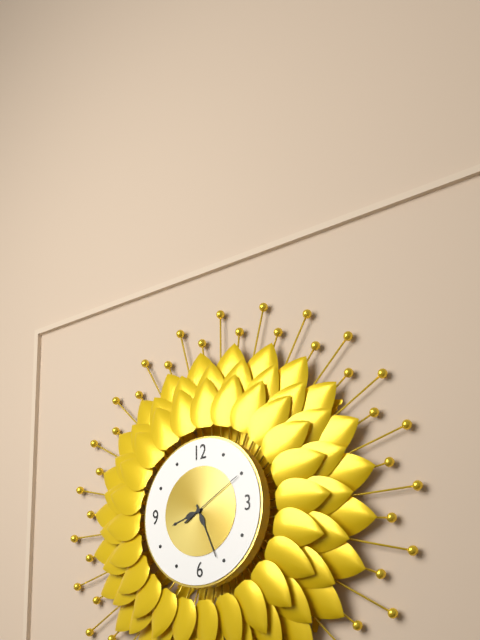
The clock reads 8.26.10
